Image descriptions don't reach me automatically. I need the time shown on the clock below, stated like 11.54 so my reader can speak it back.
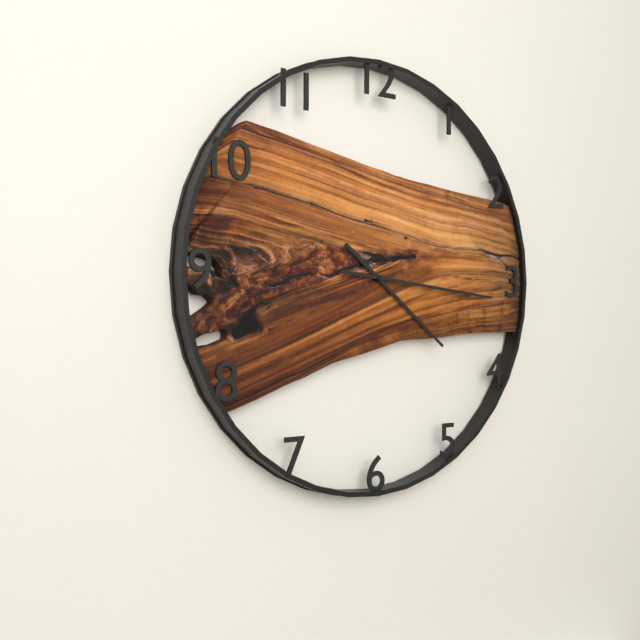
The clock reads 4.16
